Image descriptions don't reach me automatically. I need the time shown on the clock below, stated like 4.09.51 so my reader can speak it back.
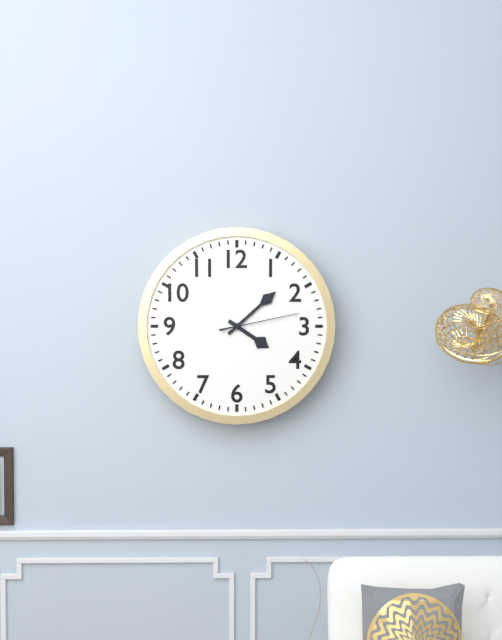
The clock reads 4.08.13
